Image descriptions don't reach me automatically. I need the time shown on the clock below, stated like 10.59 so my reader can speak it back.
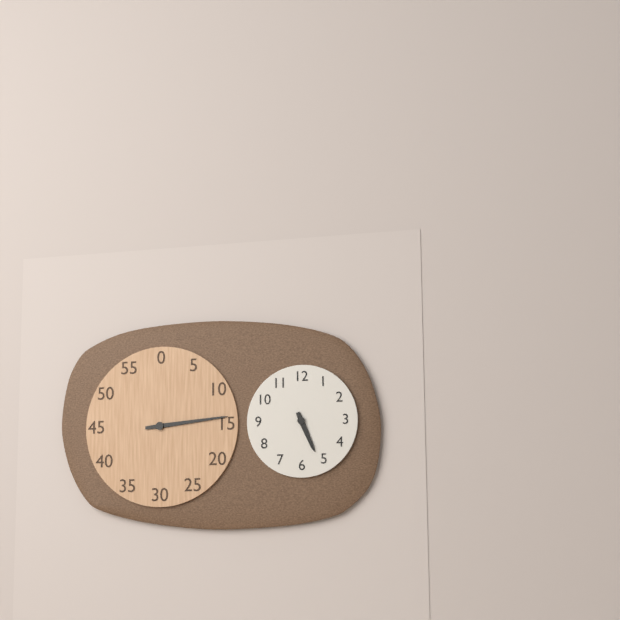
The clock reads 5.14
